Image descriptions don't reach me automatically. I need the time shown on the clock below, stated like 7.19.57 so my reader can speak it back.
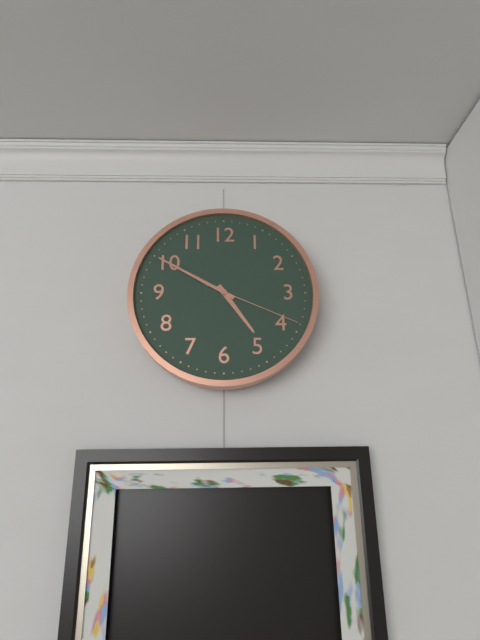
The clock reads 4.50.19
